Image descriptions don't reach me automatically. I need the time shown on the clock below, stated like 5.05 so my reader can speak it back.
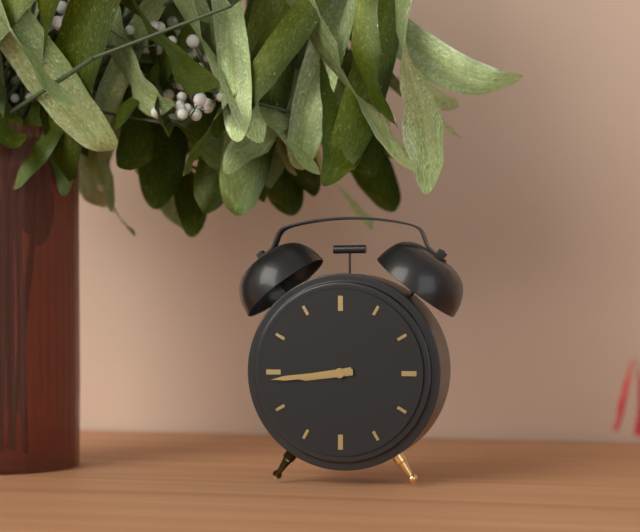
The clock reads 8.44
